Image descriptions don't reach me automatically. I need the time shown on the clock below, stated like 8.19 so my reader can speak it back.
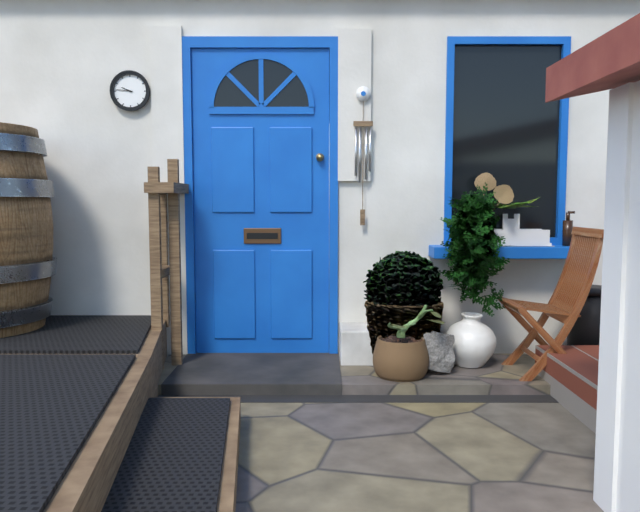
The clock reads 9.46
